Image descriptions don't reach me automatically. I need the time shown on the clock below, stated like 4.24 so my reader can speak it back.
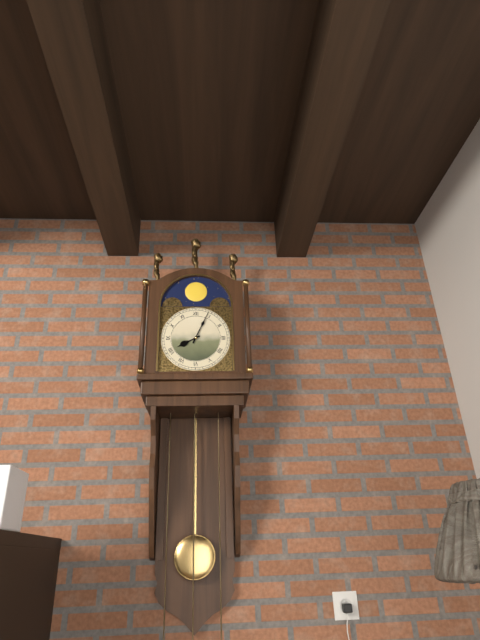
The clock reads 8.04
